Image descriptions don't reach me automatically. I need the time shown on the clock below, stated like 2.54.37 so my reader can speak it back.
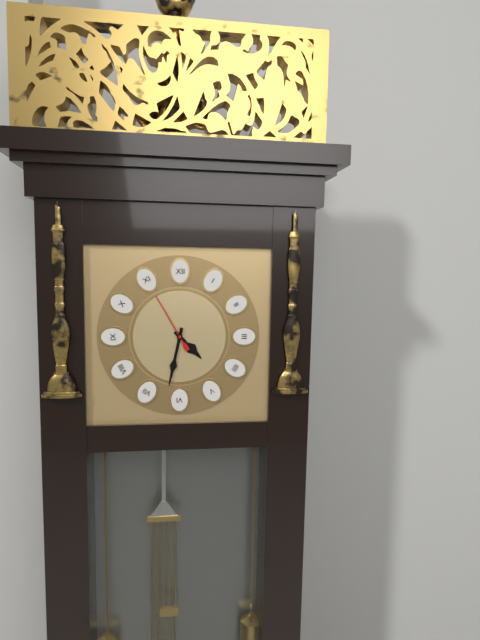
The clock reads 4.32.55
